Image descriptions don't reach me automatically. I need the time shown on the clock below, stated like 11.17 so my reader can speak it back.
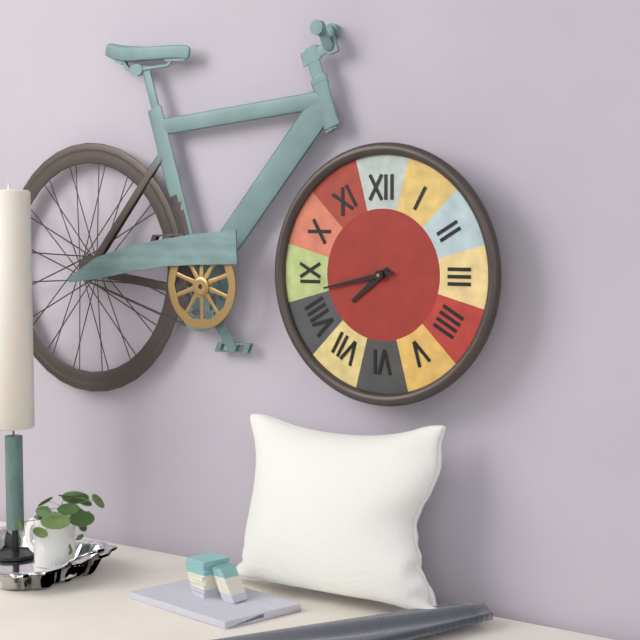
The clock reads 7.43
